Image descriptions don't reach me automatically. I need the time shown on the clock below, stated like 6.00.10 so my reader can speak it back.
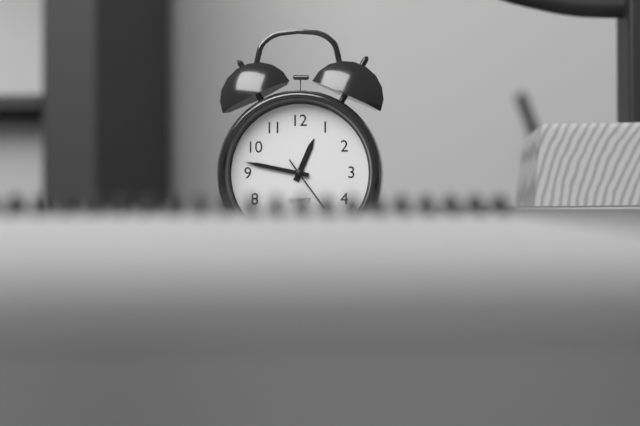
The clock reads 12.47.24
